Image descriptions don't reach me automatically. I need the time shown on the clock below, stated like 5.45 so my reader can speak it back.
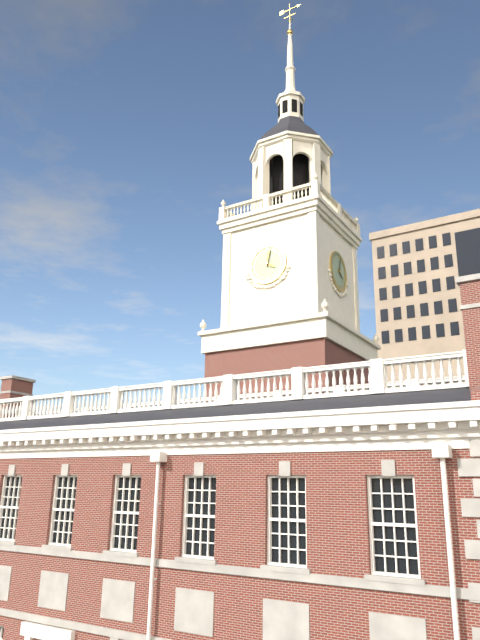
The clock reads 4.02
